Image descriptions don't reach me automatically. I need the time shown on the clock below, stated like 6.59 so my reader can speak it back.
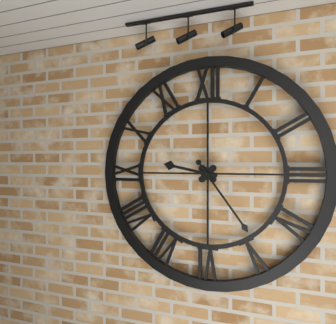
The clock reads 9.24
